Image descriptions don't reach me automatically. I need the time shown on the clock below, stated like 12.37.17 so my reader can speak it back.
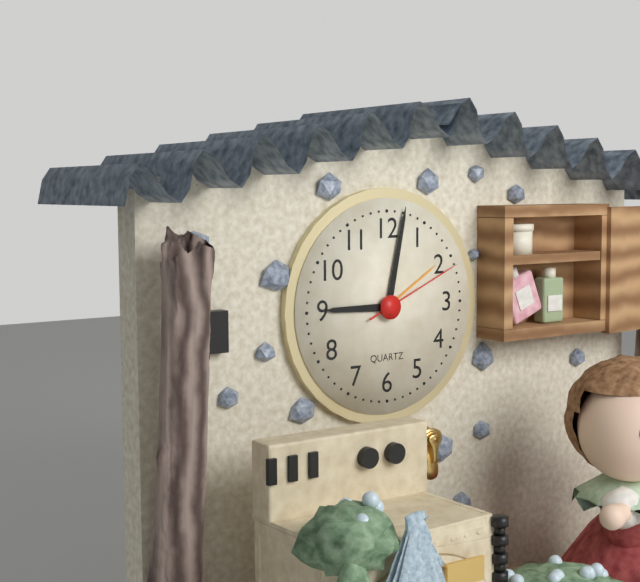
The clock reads 9.02.11
